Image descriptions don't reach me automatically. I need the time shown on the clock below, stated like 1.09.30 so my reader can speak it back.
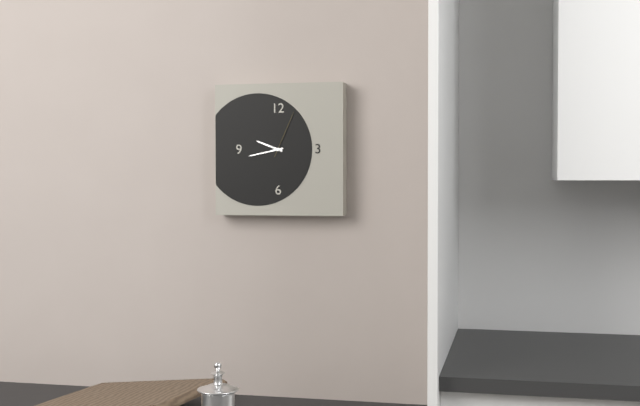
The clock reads 9.43.04
